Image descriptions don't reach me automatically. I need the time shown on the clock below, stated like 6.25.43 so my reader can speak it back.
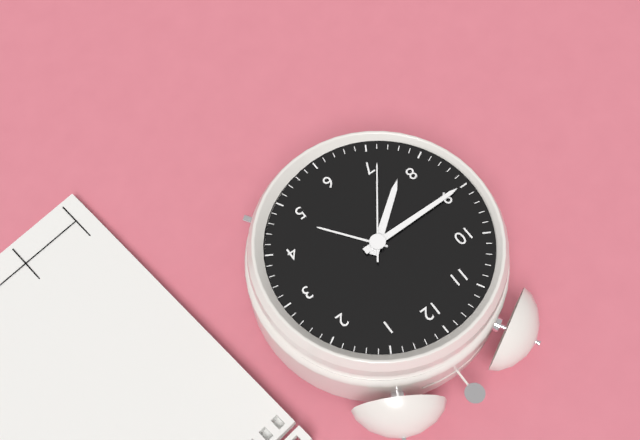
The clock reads 7.45.36
